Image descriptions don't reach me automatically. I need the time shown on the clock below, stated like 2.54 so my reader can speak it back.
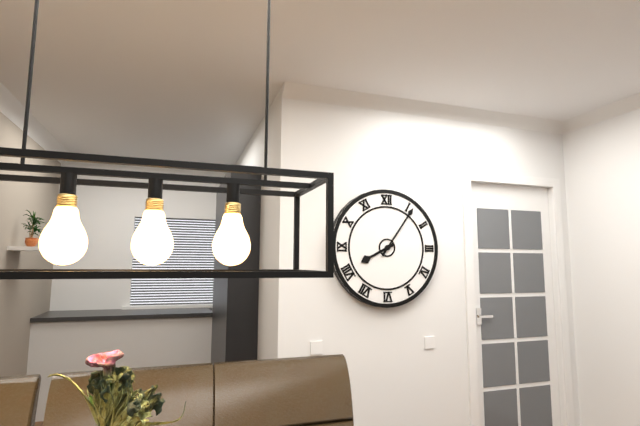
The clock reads 8.06
